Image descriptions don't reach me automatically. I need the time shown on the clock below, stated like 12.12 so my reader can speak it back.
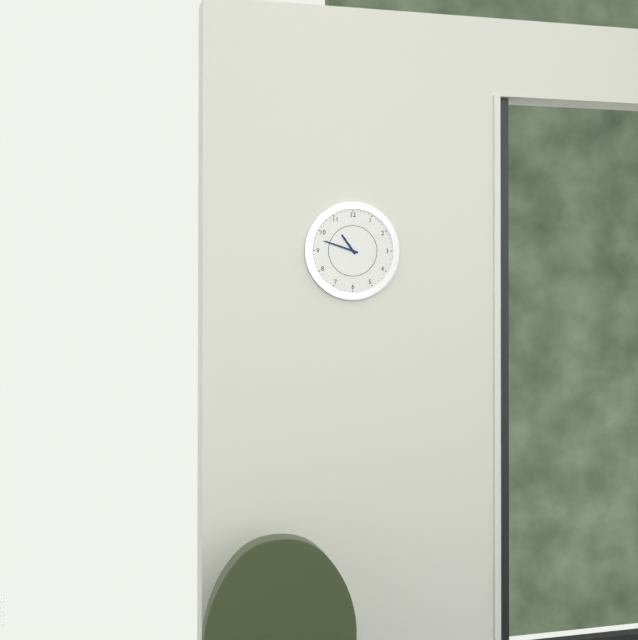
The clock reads 10.48
